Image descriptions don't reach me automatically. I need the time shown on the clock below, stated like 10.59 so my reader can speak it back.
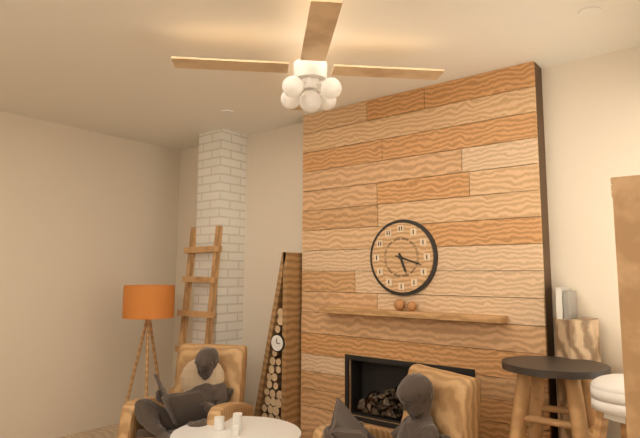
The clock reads 5.18
